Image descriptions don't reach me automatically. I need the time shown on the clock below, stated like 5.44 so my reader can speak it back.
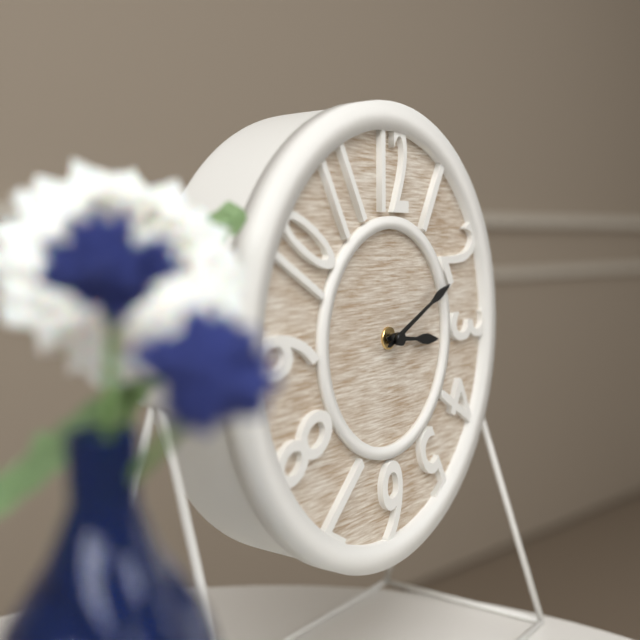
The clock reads 3.11
